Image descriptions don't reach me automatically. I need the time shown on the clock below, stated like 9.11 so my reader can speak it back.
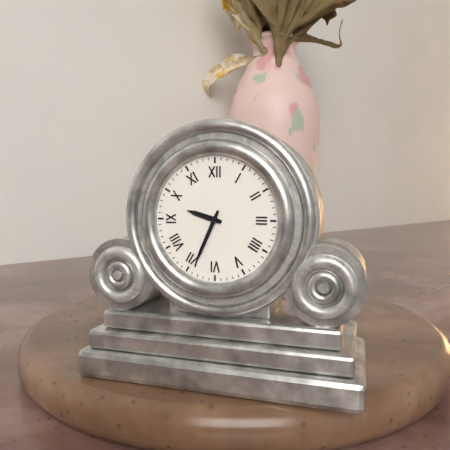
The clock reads 9.34
